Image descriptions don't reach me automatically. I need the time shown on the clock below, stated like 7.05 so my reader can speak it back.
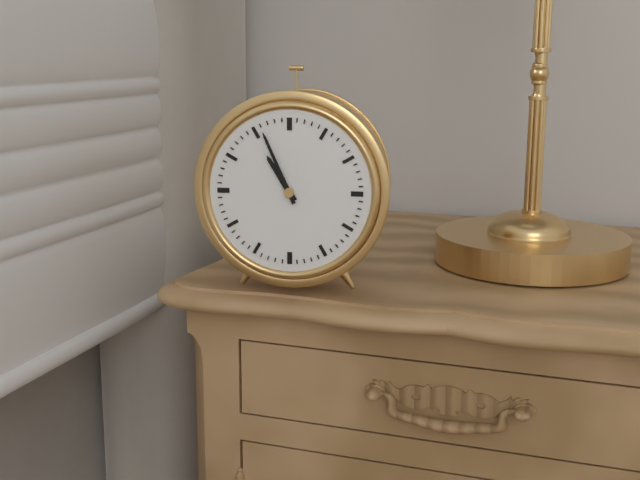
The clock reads 10.56
